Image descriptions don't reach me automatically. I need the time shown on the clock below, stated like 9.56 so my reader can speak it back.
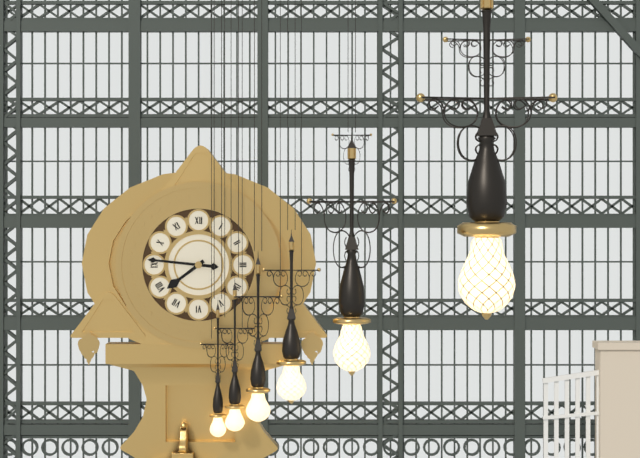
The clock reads 7.46
